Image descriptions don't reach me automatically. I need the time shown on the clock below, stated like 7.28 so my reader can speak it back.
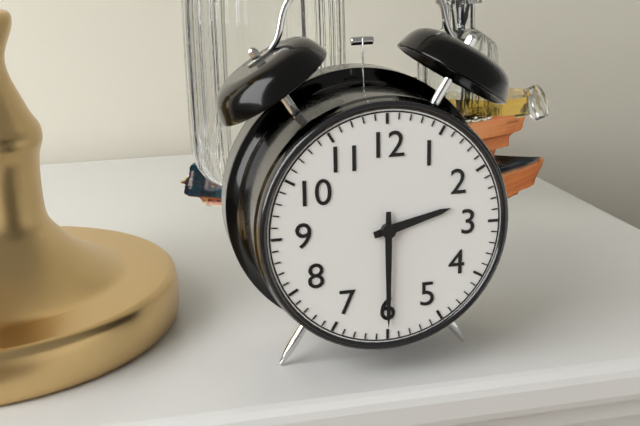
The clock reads 2.30
